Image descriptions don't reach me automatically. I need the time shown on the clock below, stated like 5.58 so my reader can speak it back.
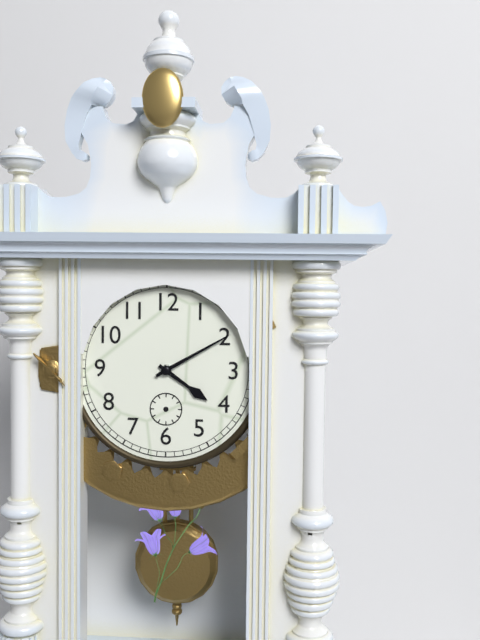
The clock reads 4.10
